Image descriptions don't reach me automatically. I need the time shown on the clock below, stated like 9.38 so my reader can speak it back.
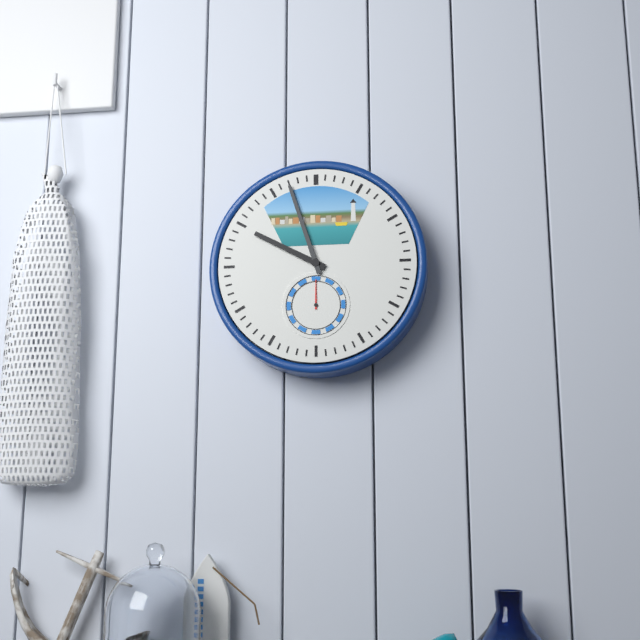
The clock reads 9.57
